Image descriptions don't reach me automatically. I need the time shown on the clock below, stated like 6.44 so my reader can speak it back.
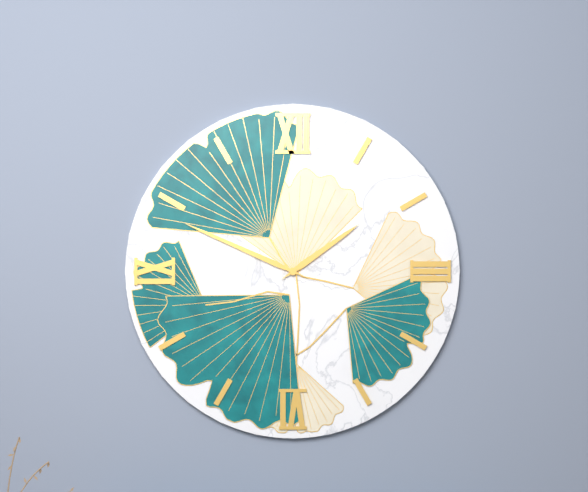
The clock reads 1.49
